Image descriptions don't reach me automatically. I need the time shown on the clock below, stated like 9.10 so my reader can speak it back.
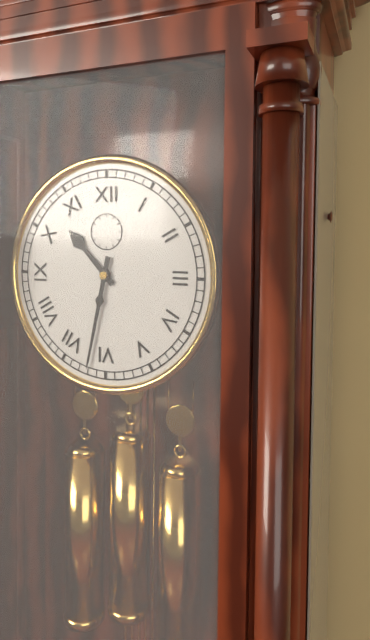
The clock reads 10.32
